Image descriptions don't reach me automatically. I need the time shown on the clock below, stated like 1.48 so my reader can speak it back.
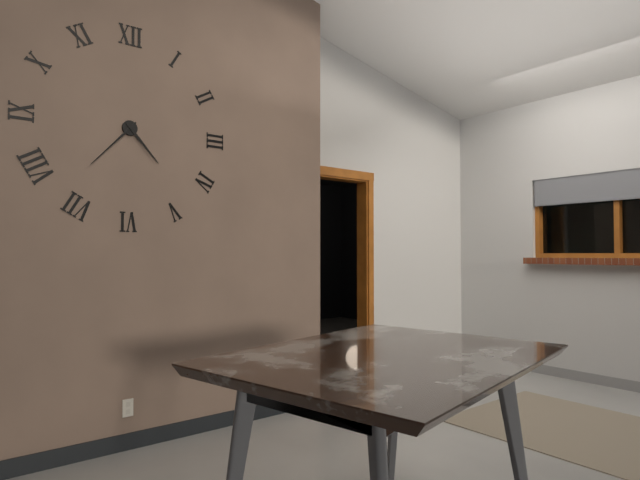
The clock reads 4.37
